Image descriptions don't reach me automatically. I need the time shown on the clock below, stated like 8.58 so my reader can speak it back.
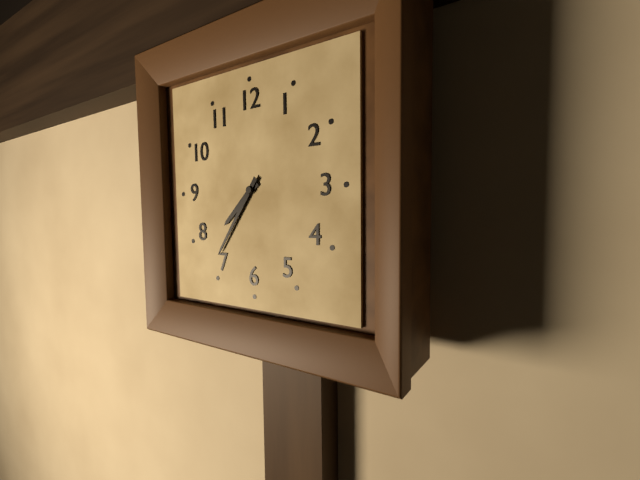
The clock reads 7.36
